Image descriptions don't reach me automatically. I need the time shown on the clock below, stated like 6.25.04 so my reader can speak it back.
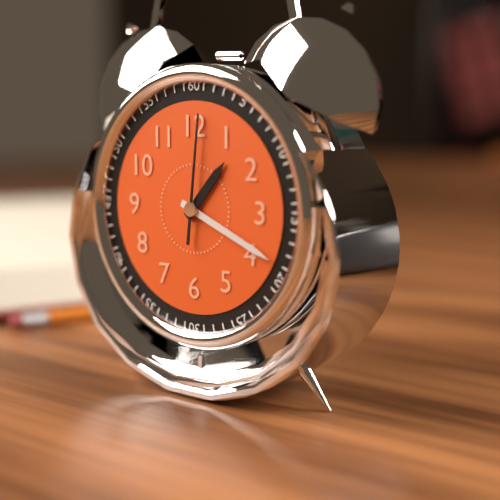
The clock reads 1.19.01
